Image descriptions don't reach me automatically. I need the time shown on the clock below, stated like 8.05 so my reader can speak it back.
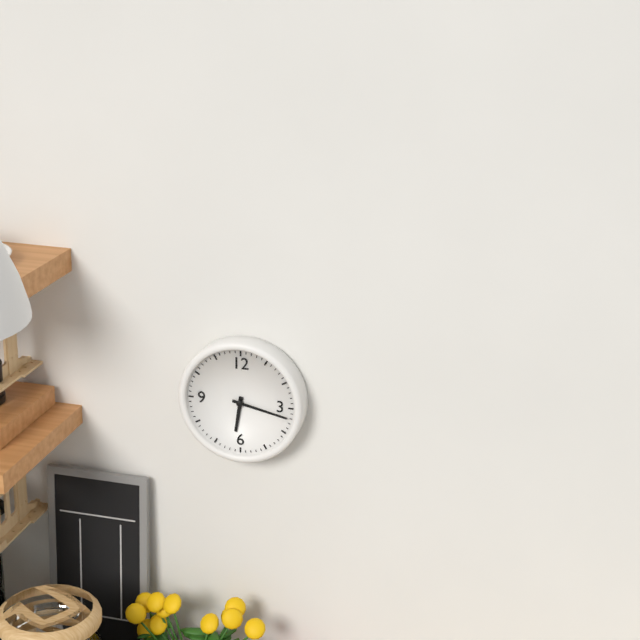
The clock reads 6.17
